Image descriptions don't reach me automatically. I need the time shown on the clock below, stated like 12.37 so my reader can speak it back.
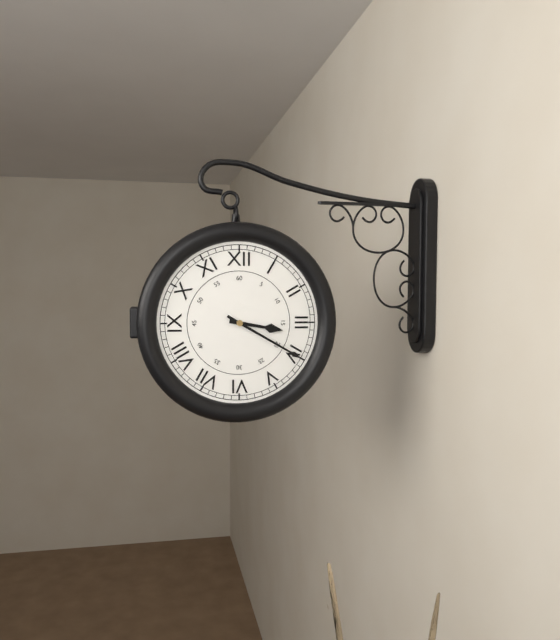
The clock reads 3.20
